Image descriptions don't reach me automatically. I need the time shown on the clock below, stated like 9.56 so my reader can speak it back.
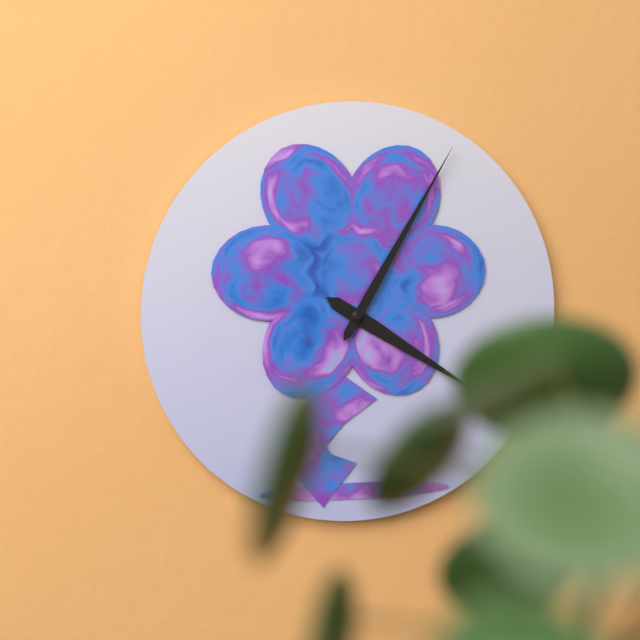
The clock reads 4.05
